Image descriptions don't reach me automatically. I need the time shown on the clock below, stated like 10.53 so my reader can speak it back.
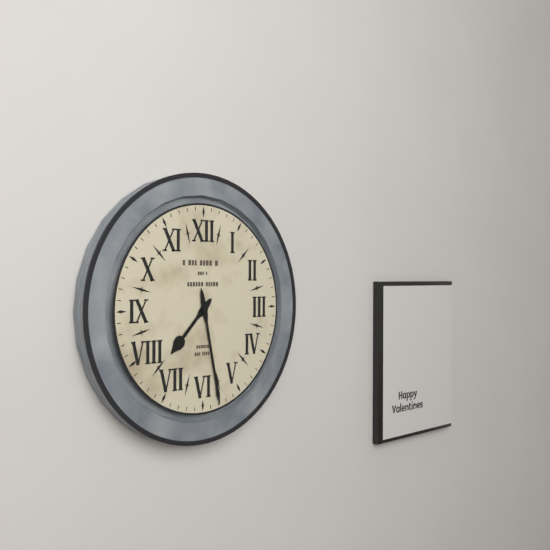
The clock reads 7.28
